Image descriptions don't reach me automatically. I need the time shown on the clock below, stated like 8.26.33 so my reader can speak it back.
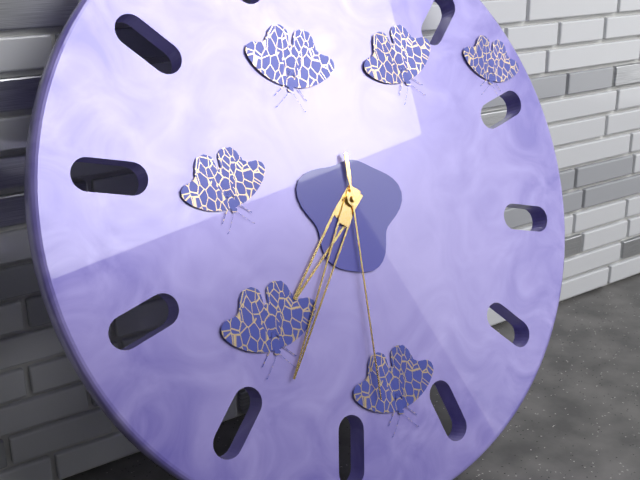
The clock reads 7.36.31
